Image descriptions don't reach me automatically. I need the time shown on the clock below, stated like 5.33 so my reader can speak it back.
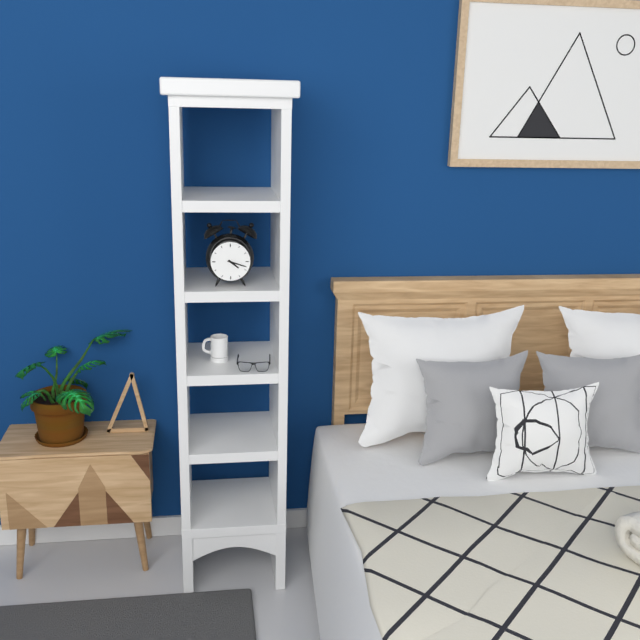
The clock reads 4.18
